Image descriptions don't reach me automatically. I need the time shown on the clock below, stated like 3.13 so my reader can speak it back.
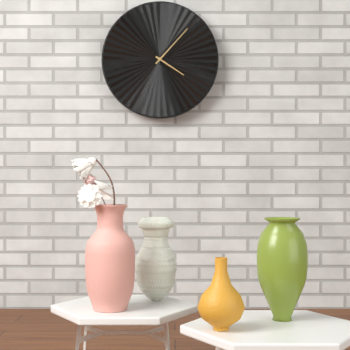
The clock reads 4.07
